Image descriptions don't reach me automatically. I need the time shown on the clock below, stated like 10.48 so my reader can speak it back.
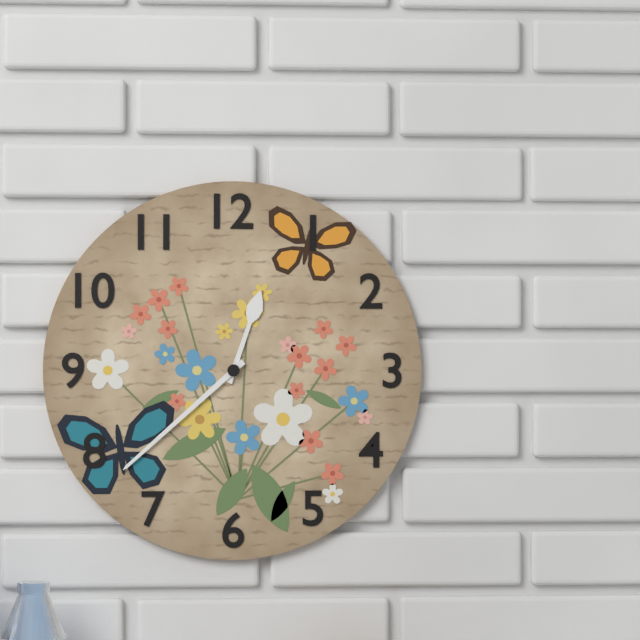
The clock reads 12.38
